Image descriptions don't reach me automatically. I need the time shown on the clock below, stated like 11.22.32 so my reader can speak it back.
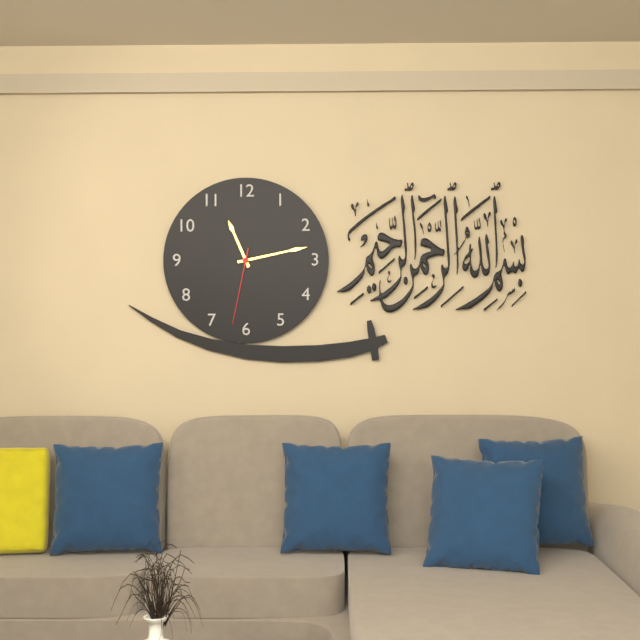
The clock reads 11.13.32
